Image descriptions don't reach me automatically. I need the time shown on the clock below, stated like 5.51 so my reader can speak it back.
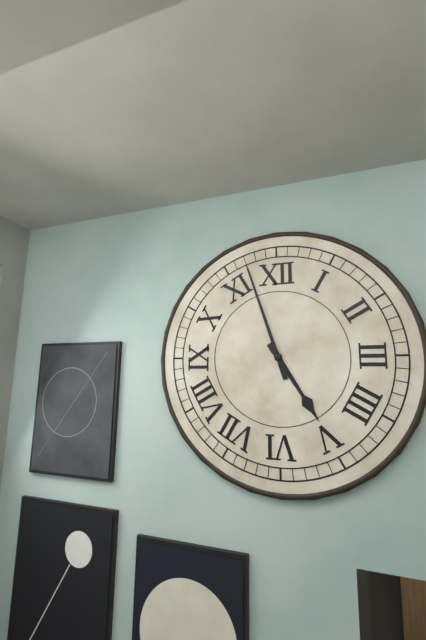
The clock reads 4.57
